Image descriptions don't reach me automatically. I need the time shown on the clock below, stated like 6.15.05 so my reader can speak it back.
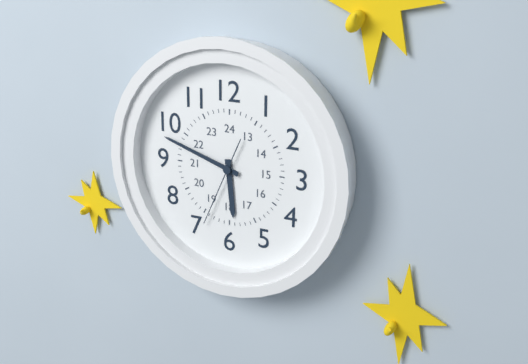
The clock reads 5.48.34
